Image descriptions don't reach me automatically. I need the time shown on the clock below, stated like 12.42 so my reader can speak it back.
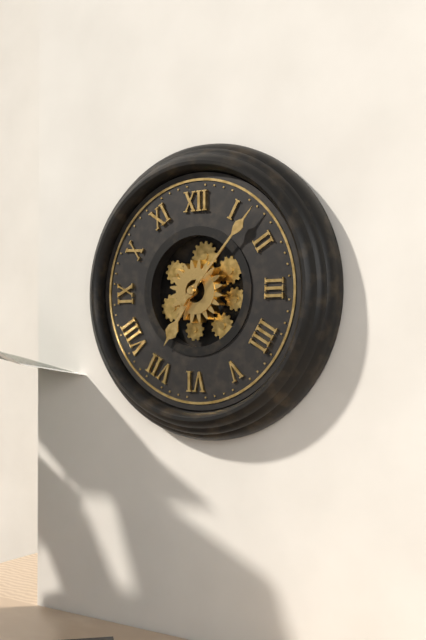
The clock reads 7.07
